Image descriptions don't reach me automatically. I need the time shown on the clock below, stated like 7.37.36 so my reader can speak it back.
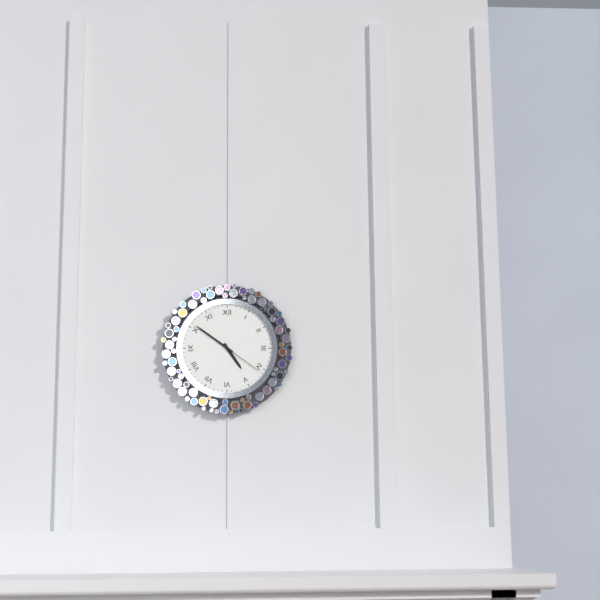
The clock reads 4.51.21
